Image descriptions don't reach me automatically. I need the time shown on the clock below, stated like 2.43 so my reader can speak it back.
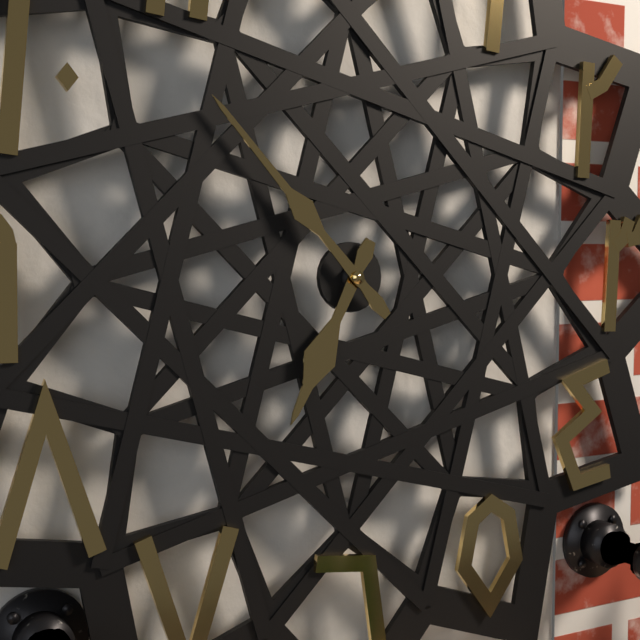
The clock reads 6.53
